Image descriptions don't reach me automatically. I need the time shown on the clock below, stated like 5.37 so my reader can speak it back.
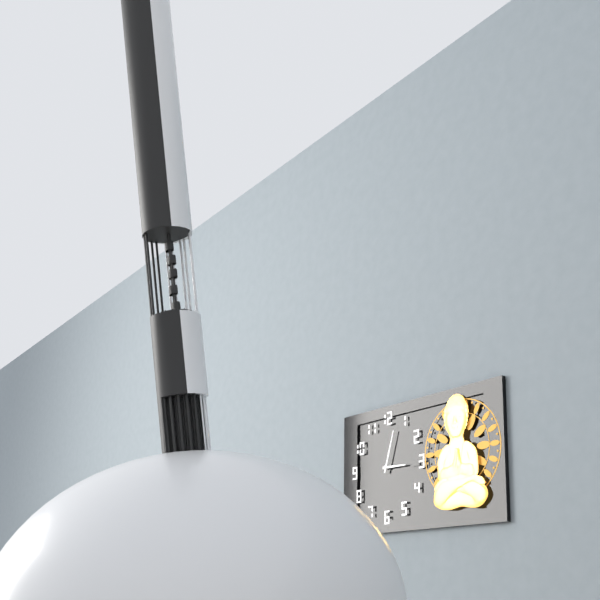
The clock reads 3.03
